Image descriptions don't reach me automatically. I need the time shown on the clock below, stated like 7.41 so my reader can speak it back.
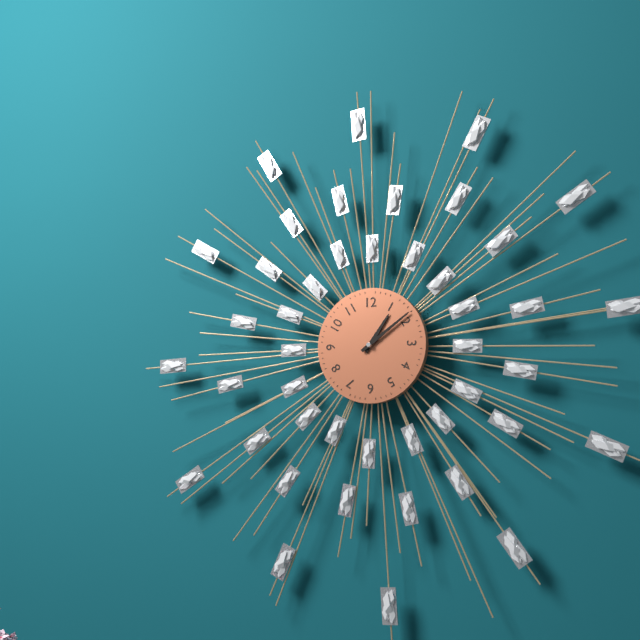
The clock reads 1.09
